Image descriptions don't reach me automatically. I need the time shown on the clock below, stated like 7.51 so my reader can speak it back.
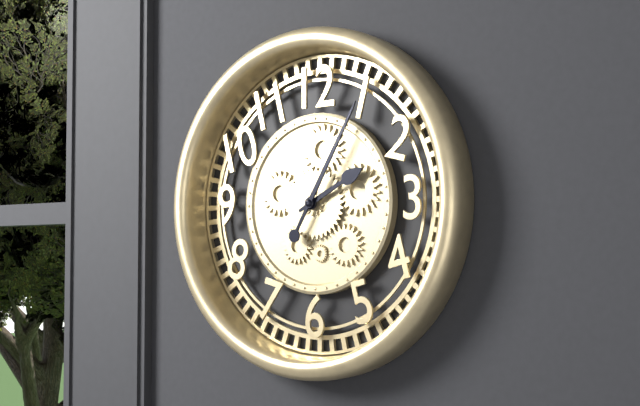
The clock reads 2.05
